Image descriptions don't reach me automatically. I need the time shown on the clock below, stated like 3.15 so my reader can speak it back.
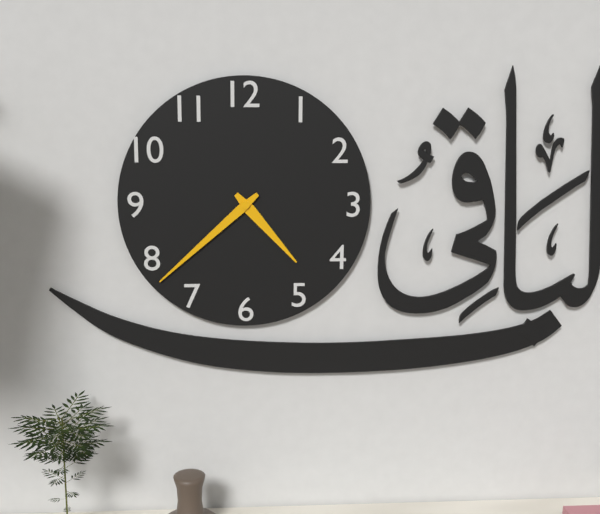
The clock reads 4.38
